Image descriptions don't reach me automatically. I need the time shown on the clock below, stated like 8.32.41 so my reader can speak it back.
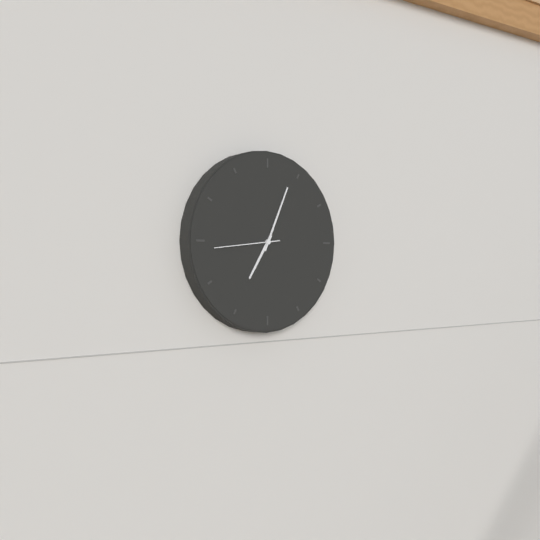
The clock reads 7.04.44
